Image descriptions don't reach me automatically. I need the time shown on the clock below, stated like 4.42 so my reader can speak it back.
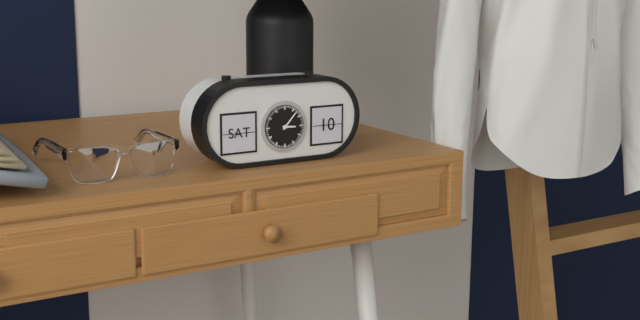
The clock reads 3.07
